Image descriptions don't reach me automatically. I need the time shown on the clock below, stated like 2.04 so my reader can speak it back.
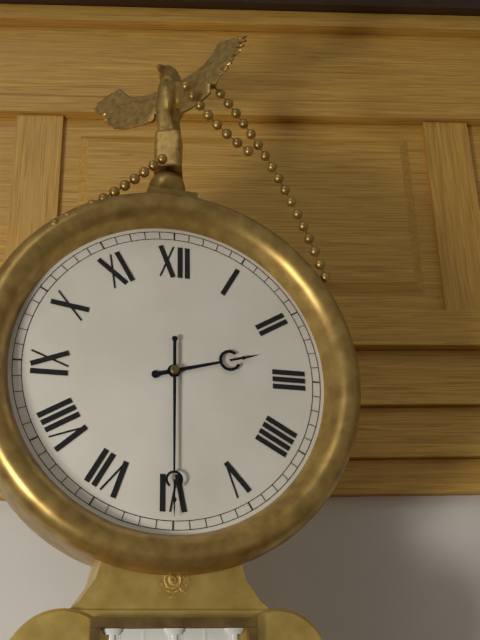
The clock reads 2.30
